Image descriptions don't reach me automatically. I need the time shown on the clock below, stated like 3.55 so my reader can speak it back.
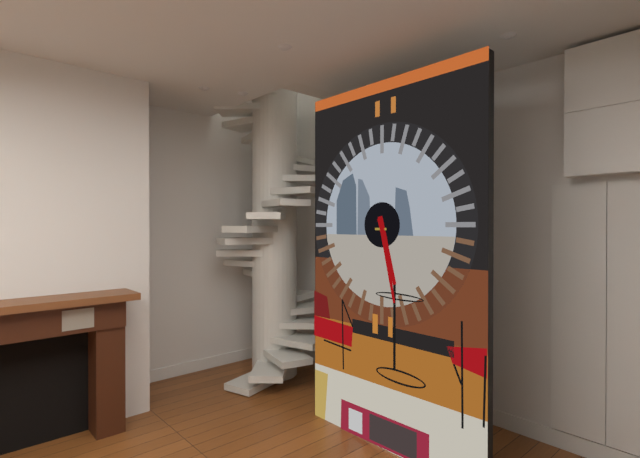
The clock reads 5.28
